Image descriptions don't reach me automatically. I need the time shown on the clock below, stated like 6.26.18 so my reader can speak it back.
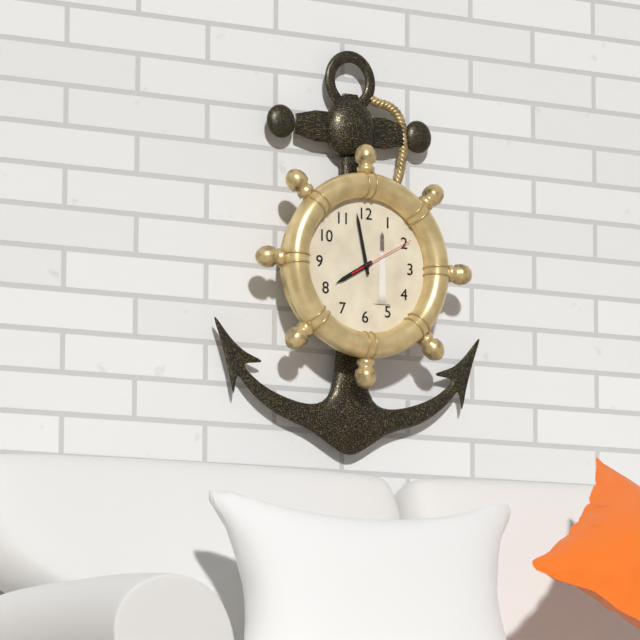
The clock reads 7.58.10
